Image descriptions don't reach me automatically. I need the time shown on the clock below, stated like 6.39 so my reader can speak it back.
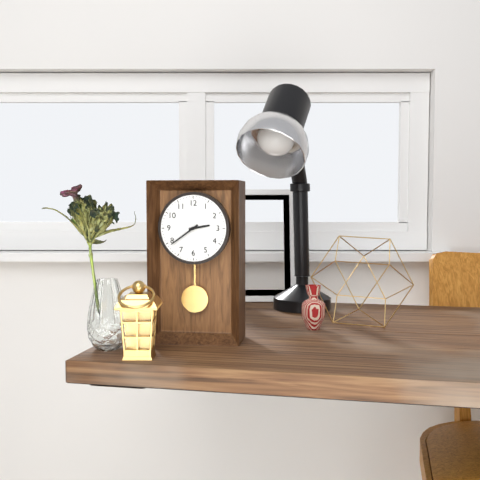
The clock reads 2.39
